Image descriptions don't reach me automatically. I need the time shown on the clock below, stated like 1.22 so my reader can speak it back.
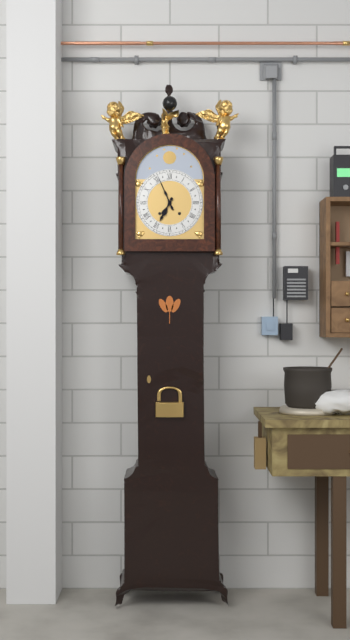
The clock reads 6.56
